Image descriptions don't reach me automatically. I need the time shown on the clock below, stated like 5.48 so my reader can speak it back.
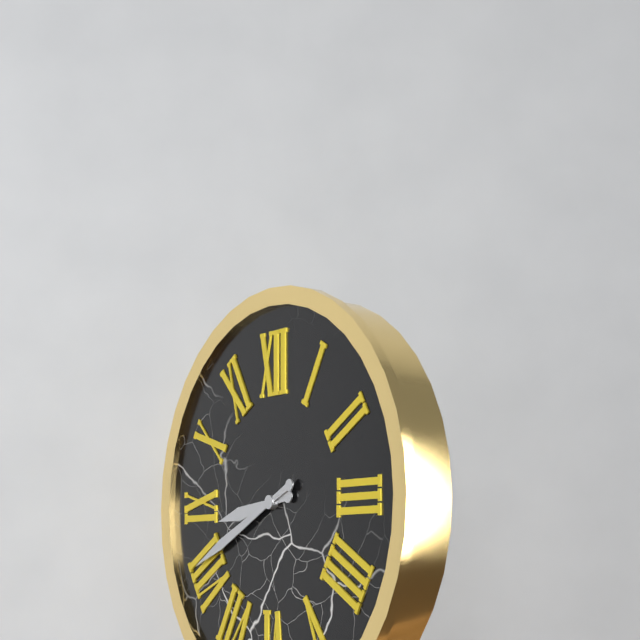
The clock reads 8.41
